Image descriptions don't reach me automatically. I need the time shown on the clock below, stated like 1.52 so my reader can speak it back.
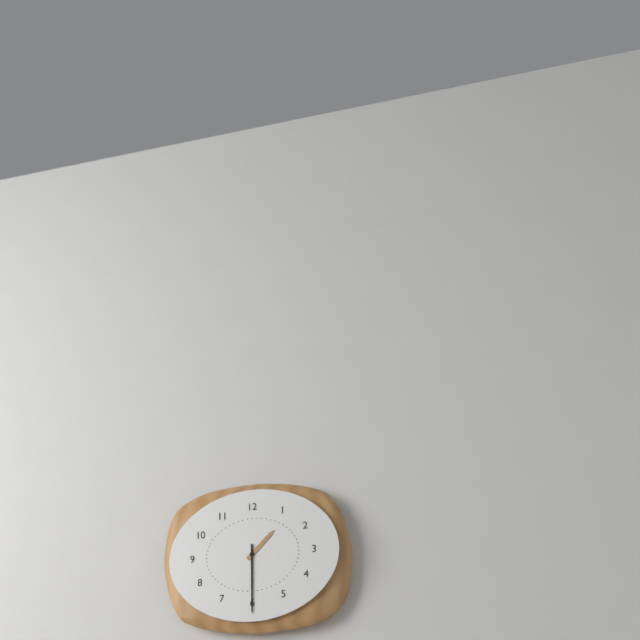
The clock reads 1.30
